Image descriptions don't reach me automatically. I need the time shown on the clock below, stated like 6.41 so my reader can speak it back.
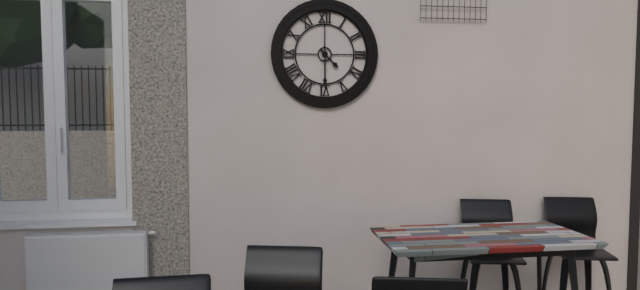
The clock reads 4.30
